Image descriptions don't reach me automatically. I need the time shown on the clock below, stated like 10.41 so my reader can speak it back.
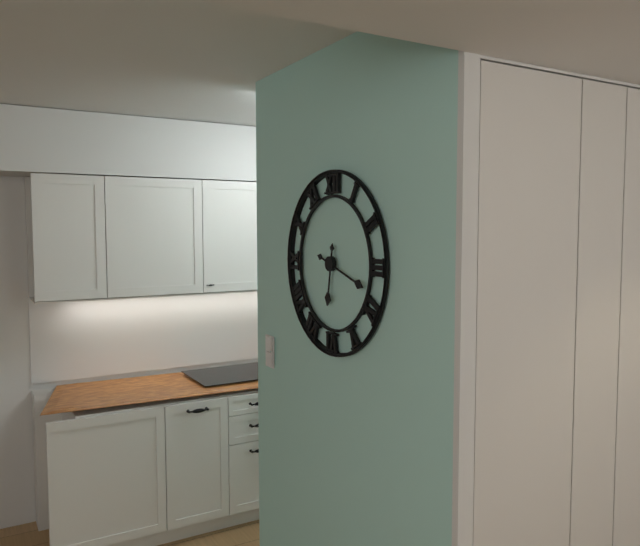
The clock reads 6.18
